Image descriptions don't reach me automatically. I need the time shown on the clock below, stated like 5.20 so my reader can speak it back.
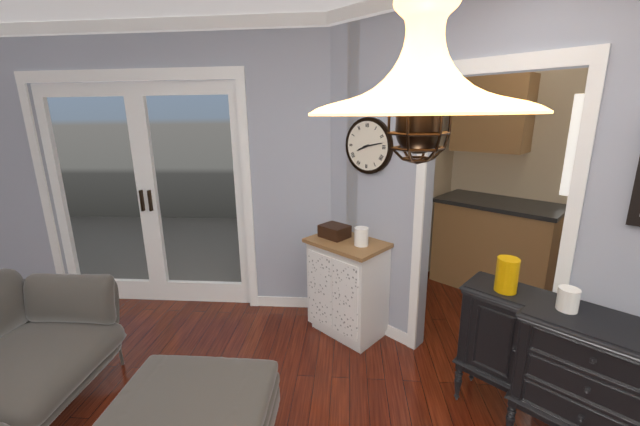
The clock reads 8.13
